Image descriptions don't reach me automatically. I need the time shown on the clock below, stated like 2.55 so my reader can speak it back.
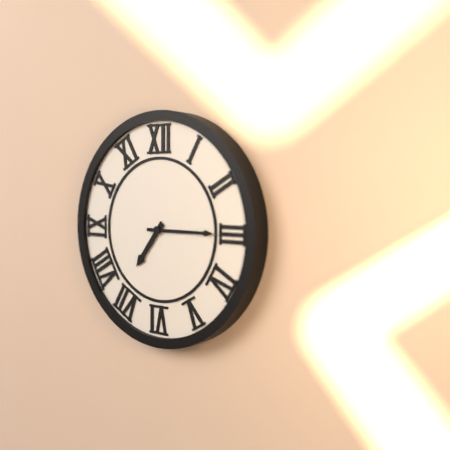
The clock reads 7.15
